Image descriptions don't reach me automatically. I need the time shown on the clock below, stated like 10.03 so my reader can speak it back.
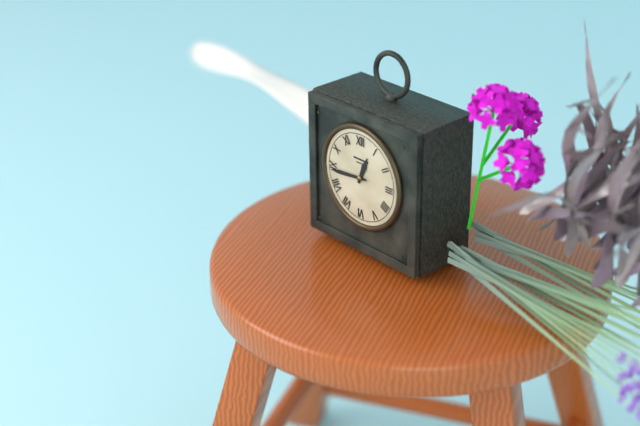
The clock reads 12.44
